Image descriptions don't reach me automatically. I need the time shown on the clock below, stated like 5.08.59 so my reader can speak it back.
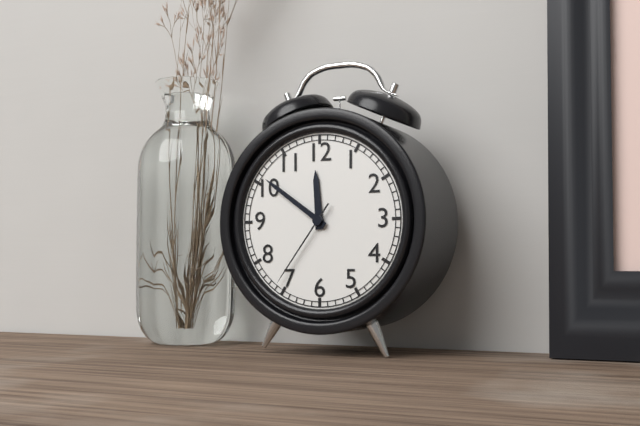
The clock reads 11.51.36
